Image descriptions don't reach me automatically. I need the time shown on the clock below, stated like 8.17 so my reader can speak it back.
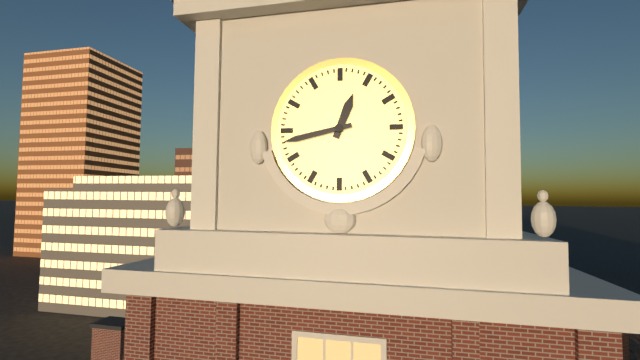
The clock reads 12.43
